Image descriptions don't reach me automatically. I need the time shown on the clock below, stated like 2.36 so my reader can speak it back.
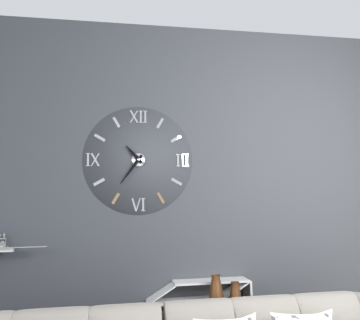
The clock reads 10.36
